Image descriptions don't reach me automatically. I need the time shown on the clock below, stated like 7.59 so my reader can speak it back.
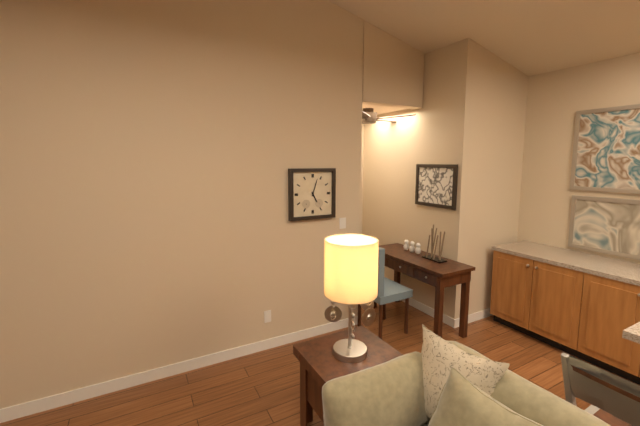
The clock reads 5.03
